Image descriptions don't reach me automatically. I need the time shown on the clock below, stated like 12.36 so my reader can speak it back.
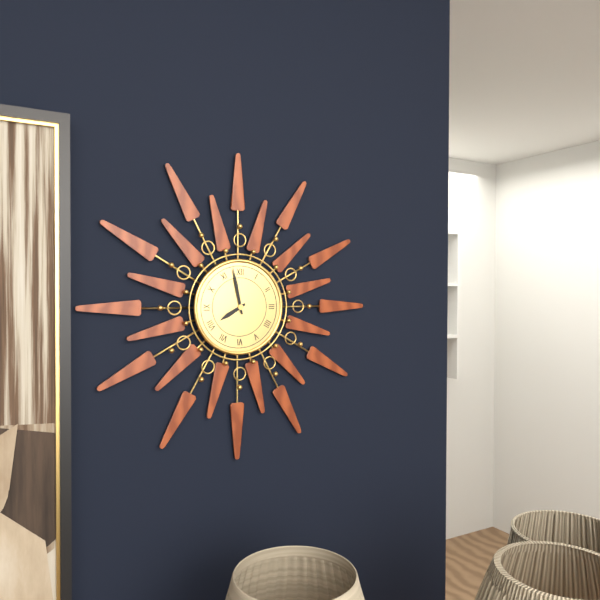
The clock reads 7.58
